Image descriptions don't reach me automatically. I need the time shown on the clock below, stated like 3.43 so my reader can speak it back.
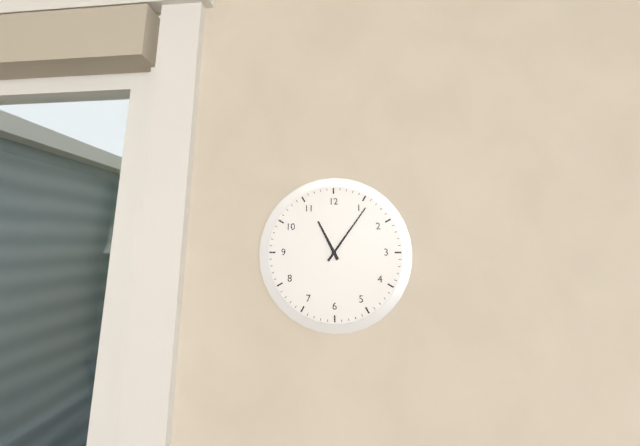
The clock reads 11.06
